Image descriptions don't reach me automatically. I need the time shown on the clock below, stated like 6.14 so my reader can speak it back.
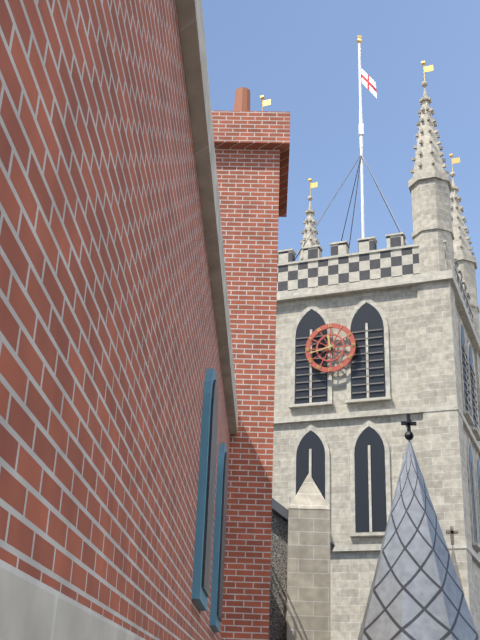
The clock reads 11.43
